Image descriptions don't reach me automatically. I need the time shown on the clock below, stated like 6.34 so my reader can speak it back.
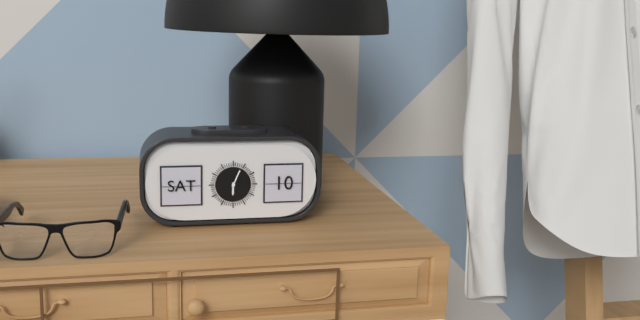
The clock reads 6.04
